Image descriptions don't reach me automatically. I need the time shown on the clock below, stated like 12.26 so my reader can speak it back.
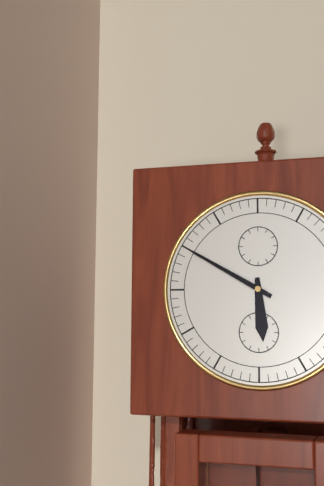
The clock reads 5.50
